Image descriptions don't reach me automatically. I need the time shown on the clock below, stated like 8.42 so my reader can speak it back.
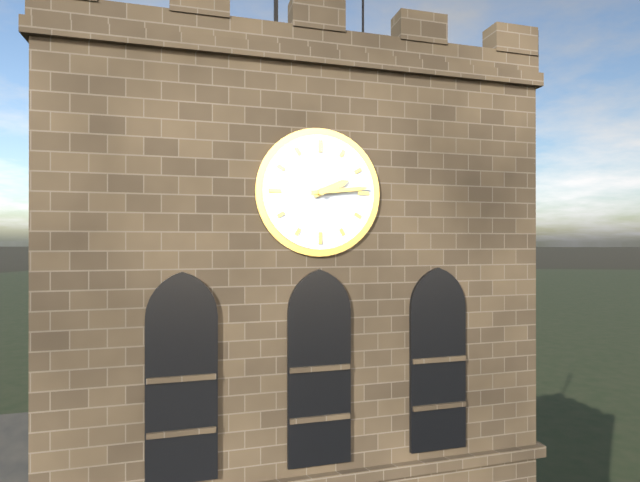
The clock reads 2.14
